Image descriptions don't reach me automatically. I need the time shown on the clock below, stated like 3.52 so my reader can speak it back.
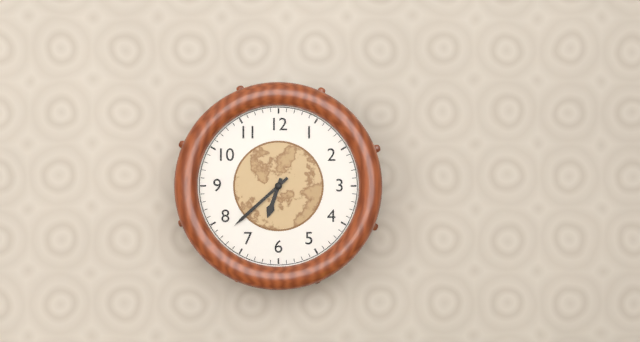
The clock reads 6.38
